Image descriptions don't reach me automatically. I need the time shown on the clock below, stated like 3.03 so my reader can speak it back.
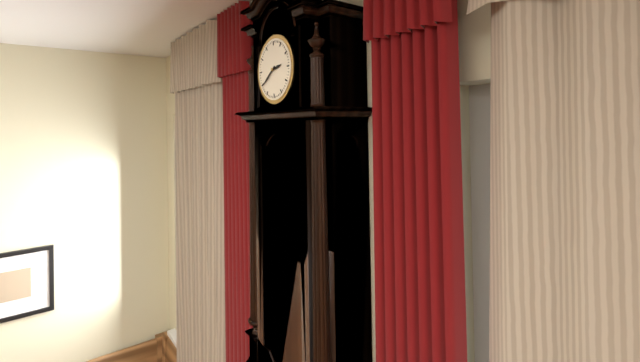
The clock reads 2.39
